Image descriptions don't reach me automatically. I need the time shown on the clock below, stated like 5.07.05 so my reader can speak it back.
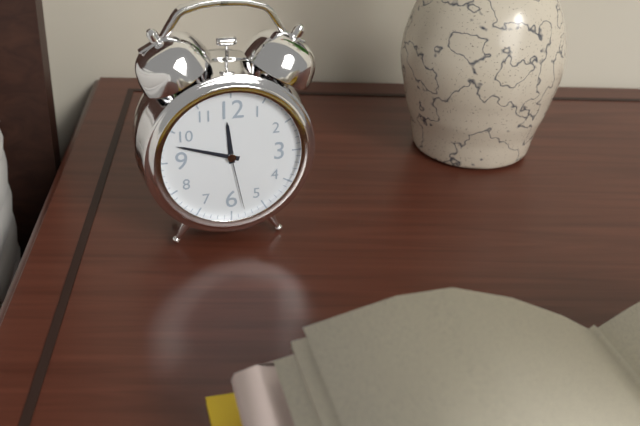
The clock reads 11.48.28
